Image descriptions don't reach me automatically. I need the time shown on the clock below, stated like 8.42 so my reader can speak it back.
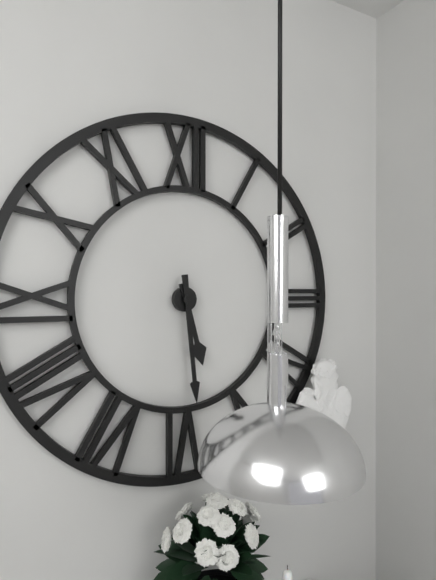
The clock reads 5.29
